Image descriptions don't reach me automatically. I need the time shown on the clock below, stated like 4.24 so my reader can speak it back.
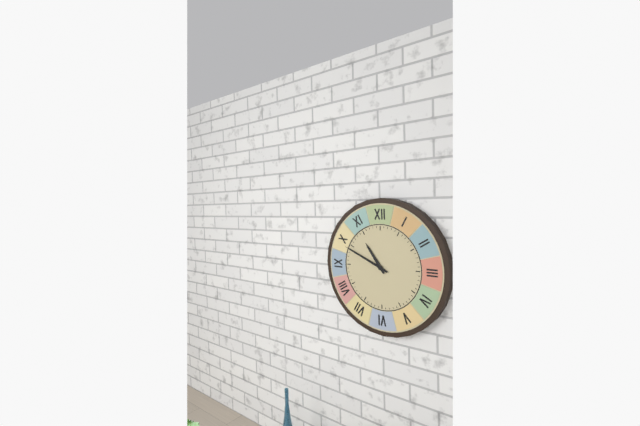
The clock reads 10.49
